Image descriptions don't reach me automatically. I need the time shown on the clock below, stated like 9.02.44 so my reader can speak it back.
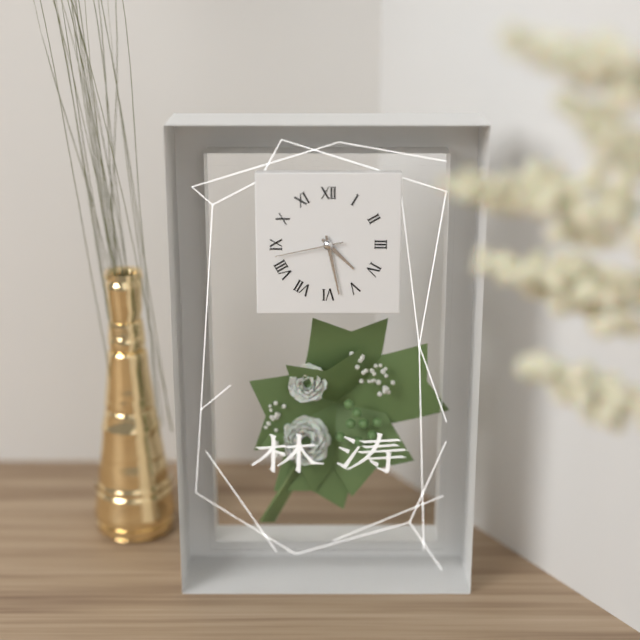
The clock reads 4.28.43
